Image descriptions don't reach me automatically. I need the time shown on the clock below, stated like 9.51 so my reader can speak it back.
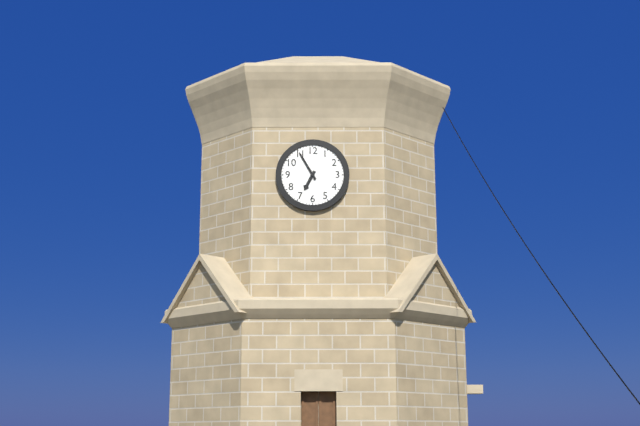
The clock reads 6.55
